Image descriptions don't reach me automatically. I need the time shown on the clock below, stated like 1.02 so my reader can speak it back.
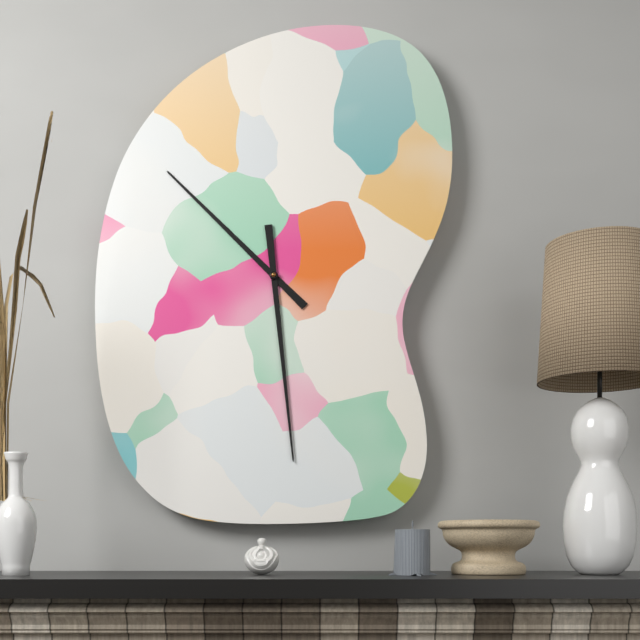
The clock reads 10.29
